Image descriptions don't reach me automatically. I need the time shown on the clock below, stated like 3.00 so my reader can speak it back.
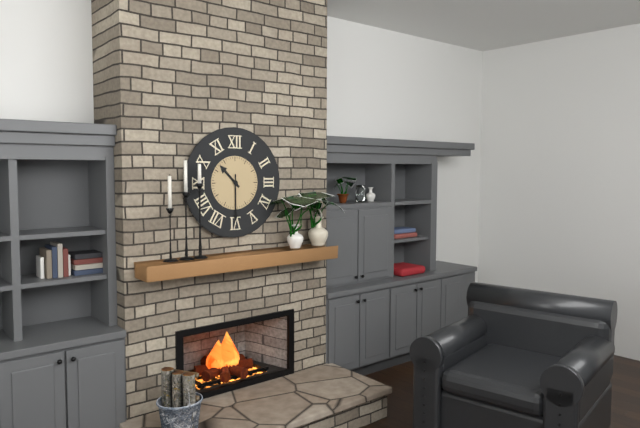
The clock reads 10.30
